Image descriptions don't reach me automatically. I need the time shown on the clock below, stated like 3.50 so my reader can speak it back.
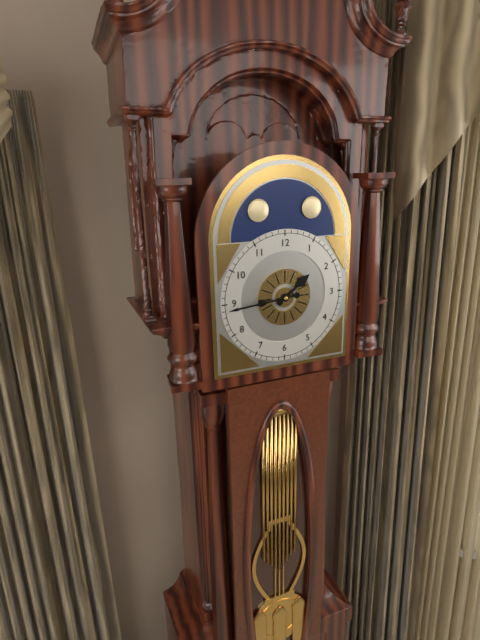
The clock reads 1.44
